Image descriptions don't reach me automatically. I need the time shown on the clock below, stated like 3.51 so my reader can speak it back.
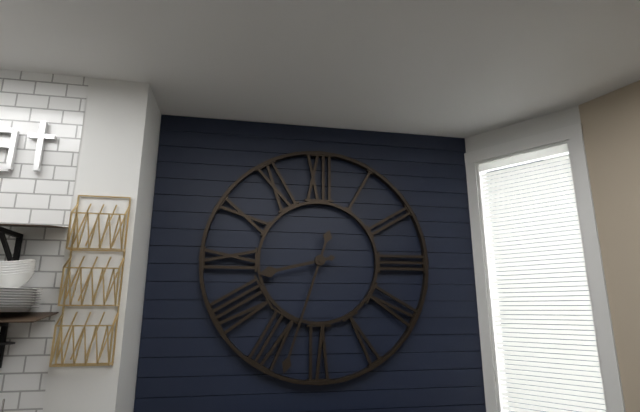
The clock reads 8.33
